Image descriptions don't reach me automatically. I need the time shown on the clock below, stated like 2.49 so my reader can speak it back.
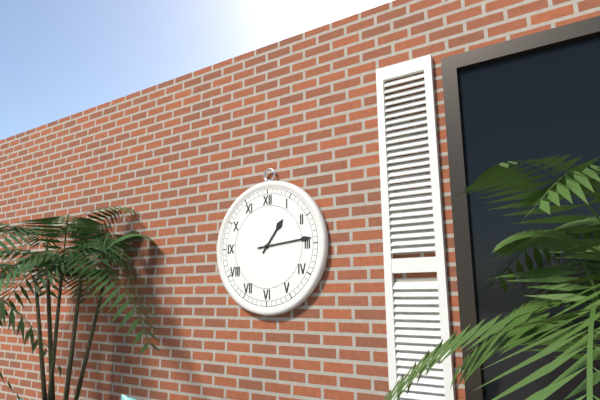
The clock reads 1.14
